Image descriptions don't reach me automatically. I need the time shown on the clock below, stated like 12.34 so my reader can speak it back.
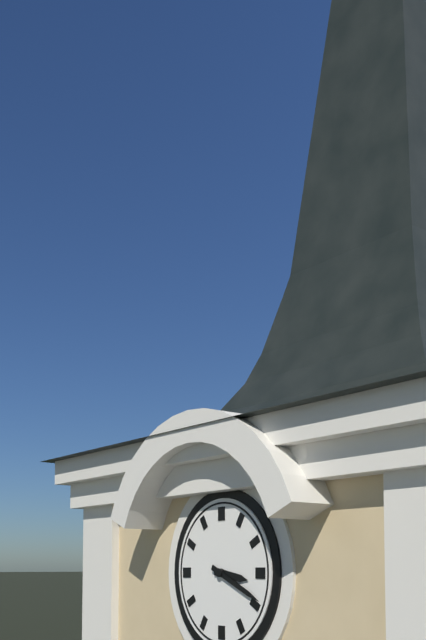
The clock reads 3.19
